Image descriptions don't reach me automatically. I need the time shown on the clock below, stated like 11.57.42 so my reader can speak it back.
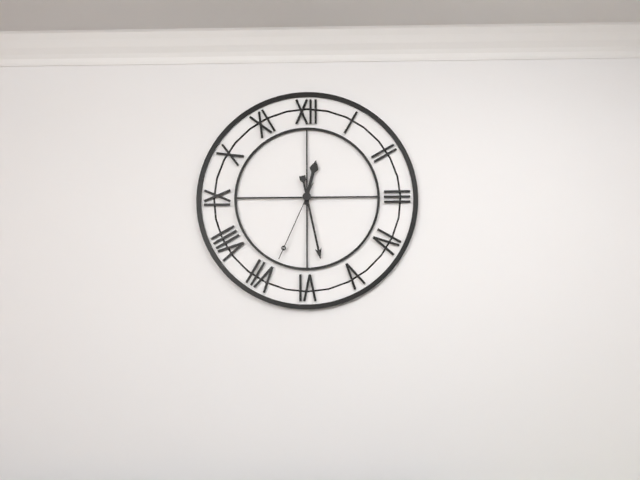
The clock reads 12.28.34
